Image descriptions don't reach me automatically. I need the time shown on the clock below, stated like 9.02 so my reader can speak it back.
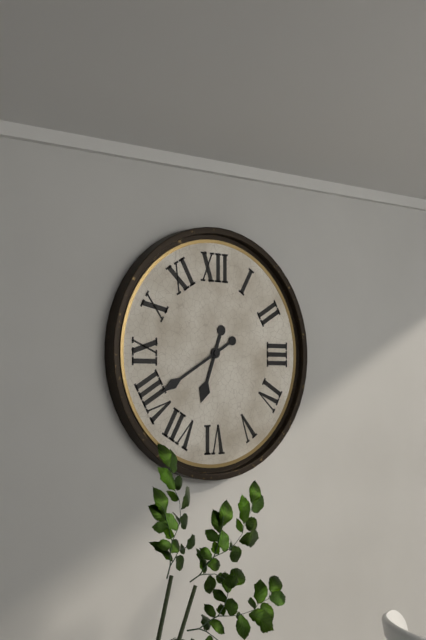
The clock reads 6.40
